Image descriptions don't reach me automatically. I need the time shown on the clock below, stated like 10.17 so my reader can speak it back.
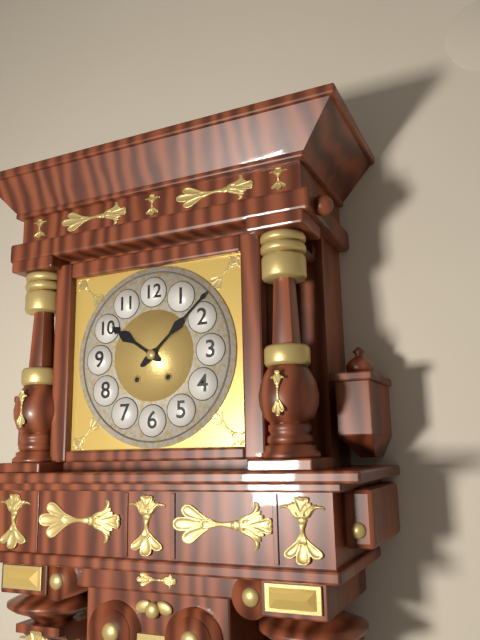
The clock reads 10.08
